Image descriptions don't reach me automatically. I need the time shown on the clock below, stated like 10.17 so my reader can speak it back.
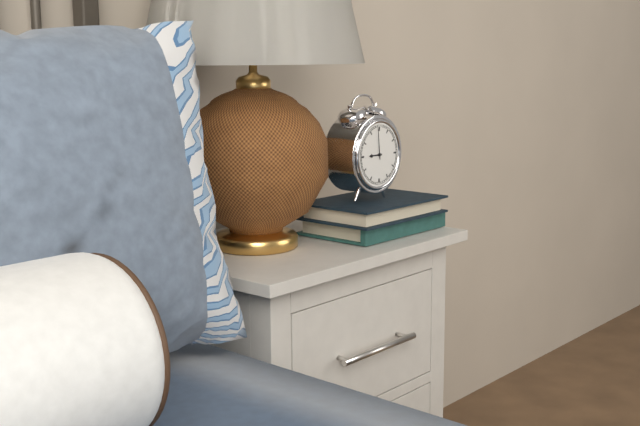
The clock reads 8.59
